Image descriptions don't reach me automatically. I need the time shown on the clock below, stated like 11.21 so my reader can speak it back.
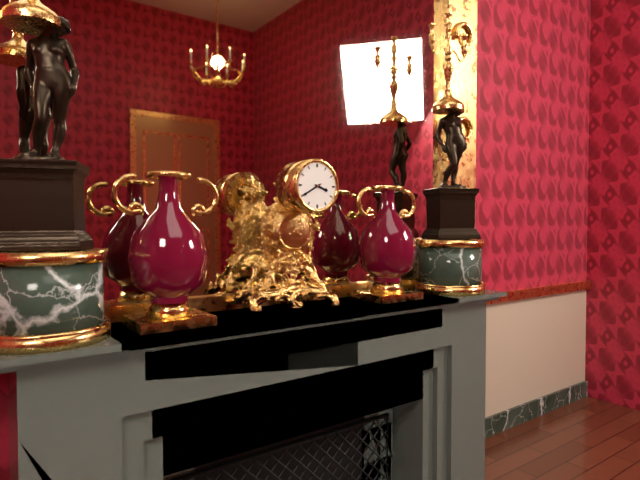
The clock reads 3.40
